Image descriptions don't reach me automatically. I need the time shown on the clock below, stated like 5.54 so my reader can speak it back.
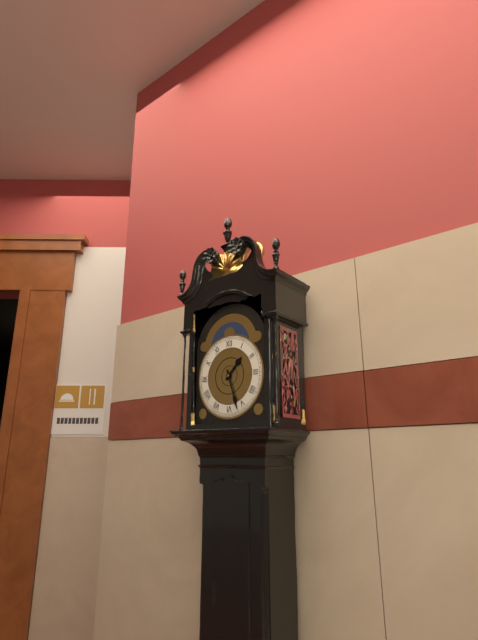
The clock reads 1.27
